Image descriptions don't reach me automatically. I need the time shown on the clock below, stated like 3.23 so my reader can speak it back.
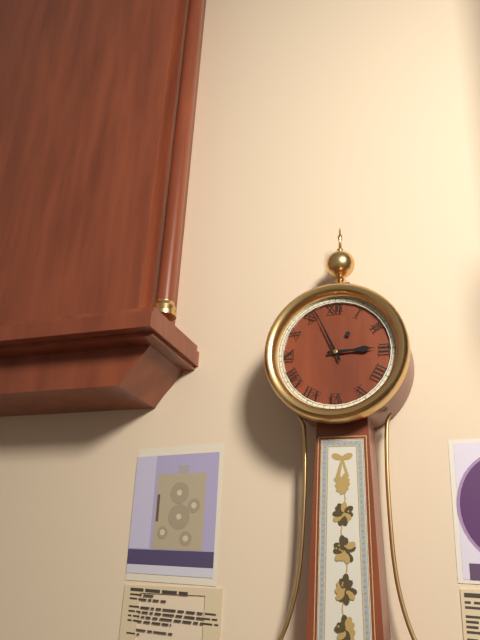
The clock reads 2.56
